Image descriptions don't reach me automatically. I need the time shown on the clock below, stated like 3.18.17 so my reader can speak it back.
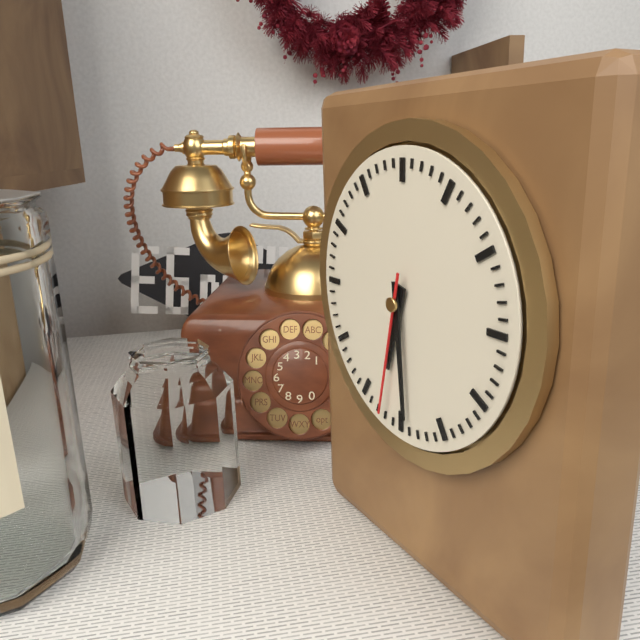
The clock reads 6.29.32
